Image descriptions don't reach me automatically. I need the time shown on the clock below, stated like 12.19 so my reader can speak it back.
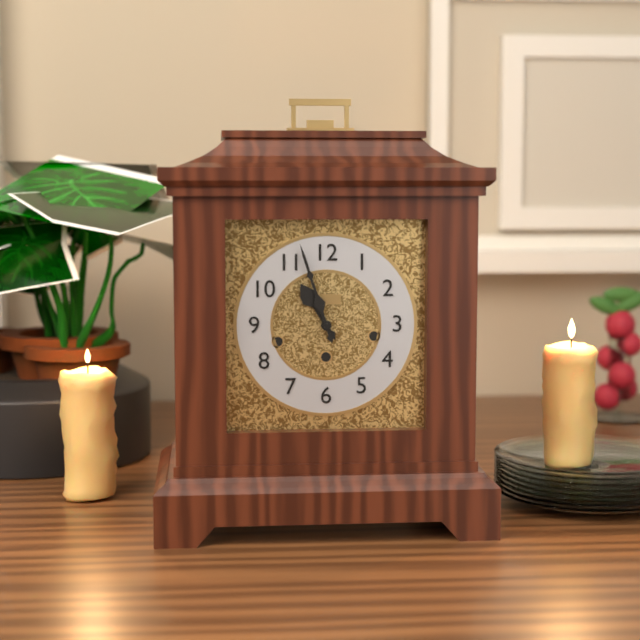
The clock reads 10.57
